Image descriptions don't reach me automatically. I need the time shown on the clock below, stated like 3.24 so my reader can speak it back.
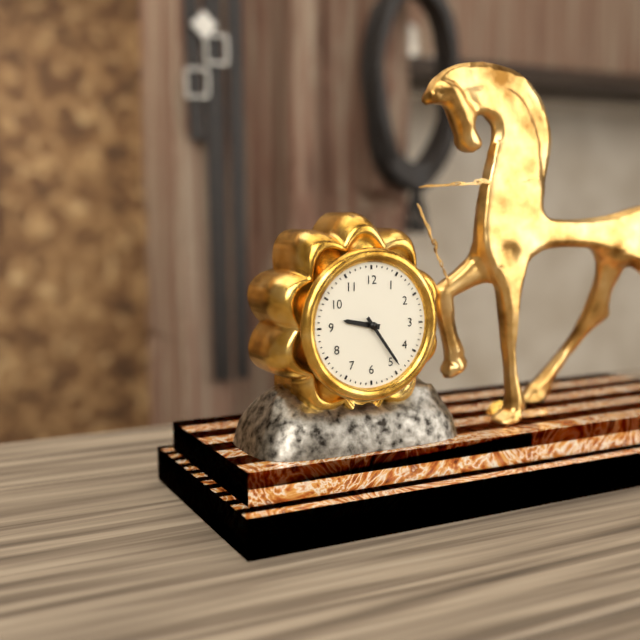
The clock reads 9.24
